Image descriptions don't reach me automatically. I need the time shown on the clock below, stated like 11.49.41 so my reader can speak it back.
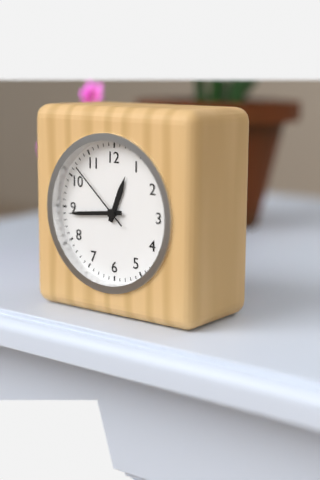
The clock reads 12.44.52
